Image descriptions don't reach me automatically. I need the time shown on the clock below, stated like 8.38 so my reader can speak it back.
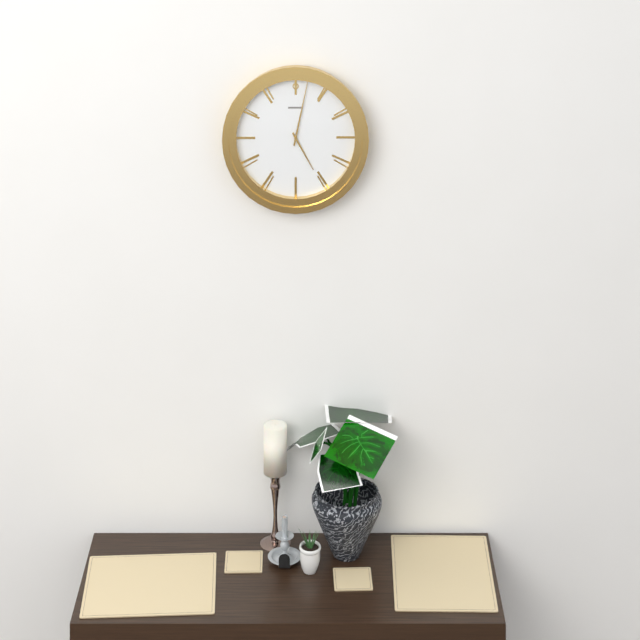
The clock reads 5.02
